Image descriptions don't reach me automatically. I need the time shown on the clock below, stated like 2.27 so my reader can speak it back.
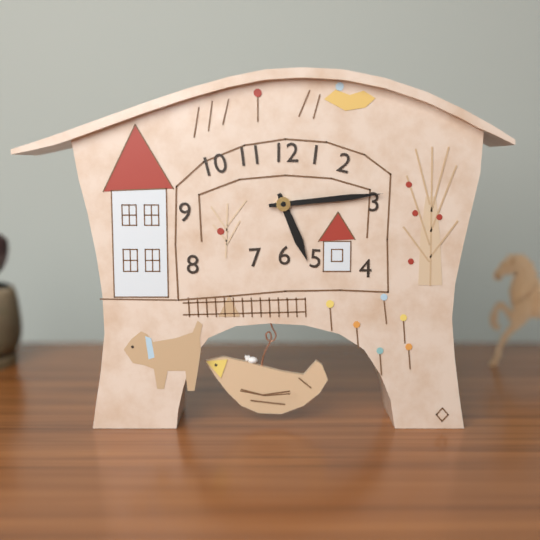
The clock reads 5.14
